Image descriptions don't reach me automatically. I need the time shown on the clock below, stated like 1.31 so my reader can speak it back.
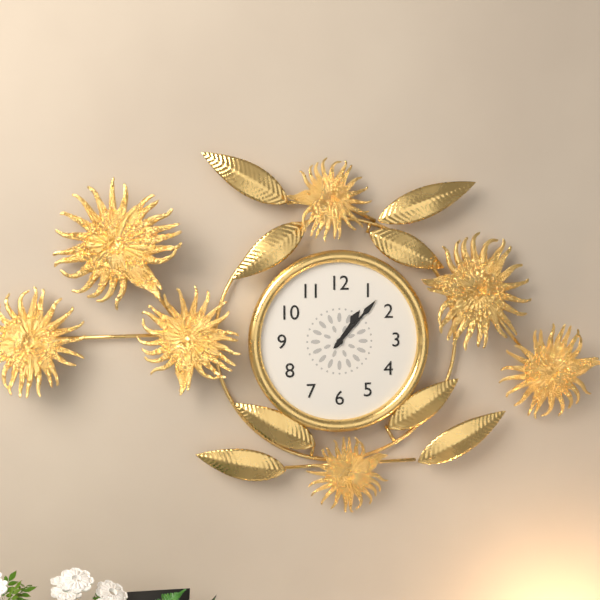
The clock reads 1.07
